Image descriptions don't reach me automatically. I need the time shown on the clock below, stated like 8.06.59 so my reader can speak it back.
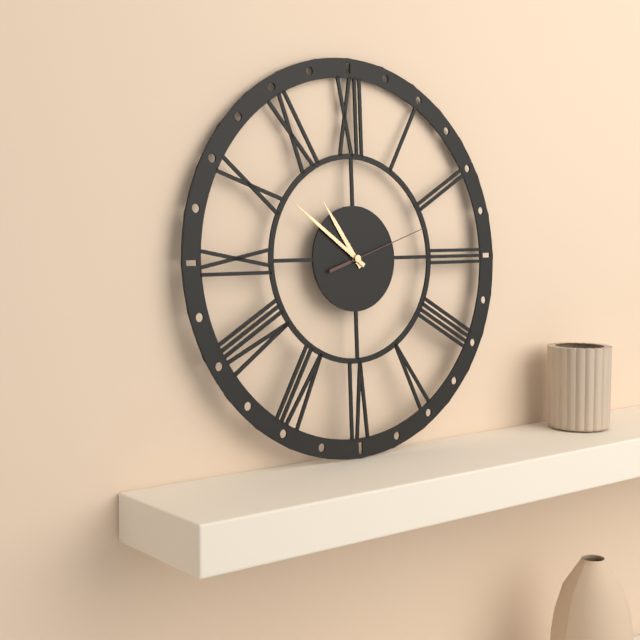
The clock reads 10.51.12
